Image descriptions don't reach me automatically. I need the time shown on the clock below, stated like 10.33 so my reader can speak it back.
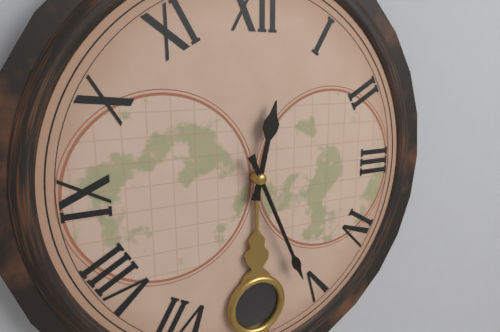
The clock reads 12.26
